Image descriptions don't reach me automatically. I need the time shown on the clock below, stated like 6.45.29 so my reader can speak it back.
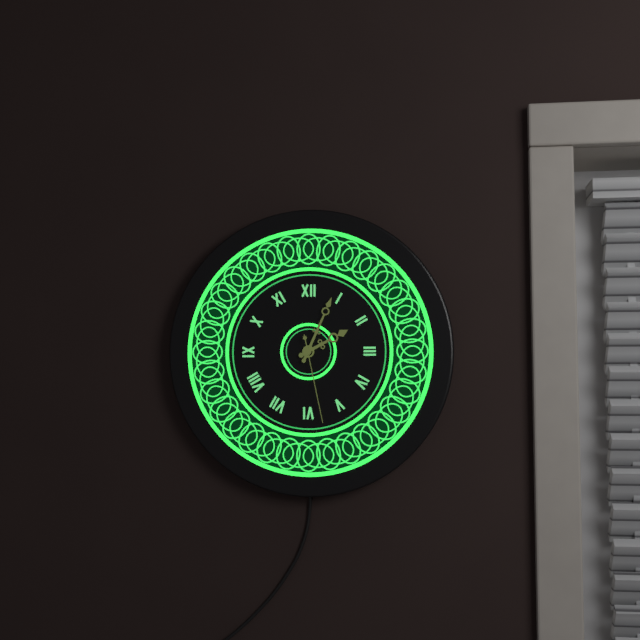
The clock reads 2.04.28
